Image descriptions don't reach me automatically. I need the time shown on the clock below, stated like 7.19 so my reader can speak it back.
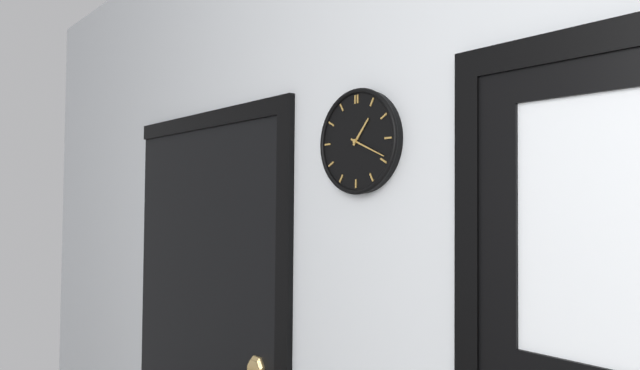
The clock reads 1.19
